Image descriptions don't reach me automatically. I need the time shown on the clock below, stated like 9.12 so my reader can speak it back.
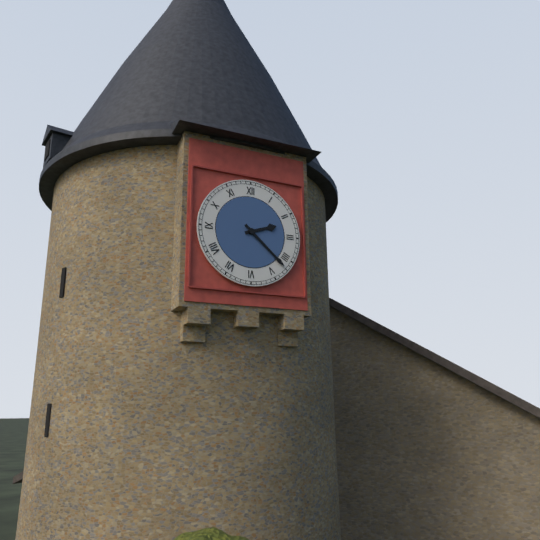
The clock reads 2.22
